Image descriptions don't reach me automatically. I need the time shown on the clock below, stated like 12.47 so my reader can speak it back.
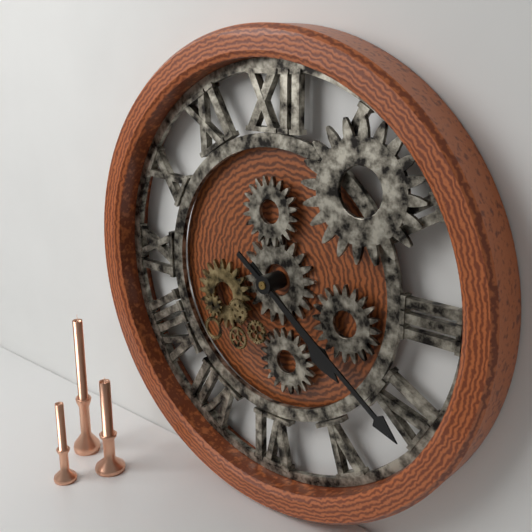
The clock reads 4.21
